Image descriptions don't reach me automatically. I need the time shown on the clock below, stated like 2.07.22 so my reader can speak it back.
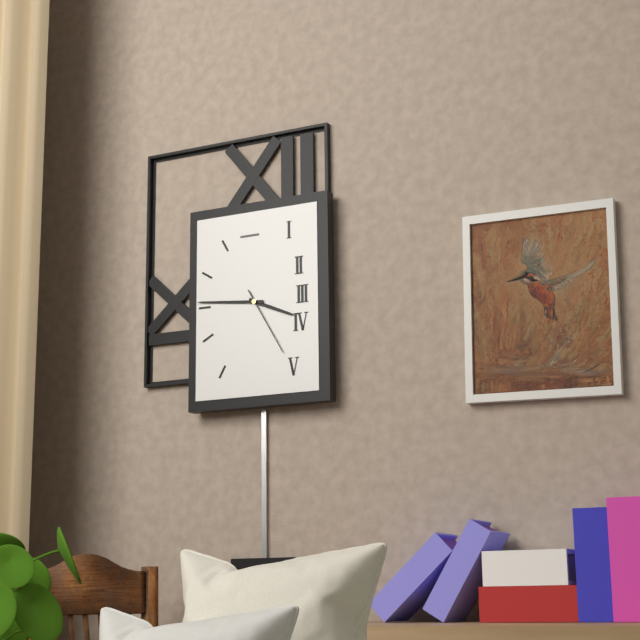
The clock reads 3.46.25
